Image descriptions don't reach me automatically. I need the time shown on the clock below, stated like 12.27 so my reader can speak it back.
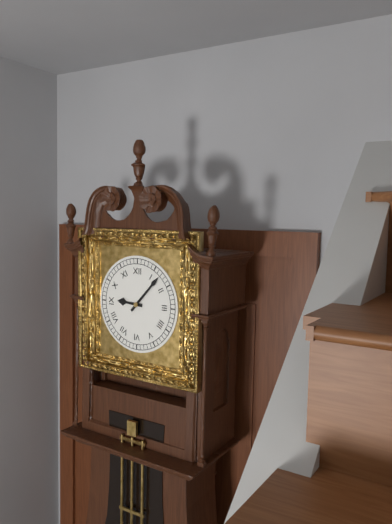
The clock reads 9.07
